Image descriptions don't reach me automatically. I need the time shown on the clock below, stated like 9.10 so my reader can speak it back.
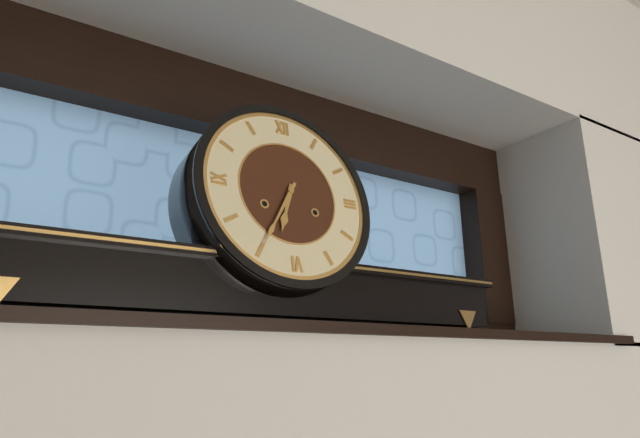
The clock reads 6.35
